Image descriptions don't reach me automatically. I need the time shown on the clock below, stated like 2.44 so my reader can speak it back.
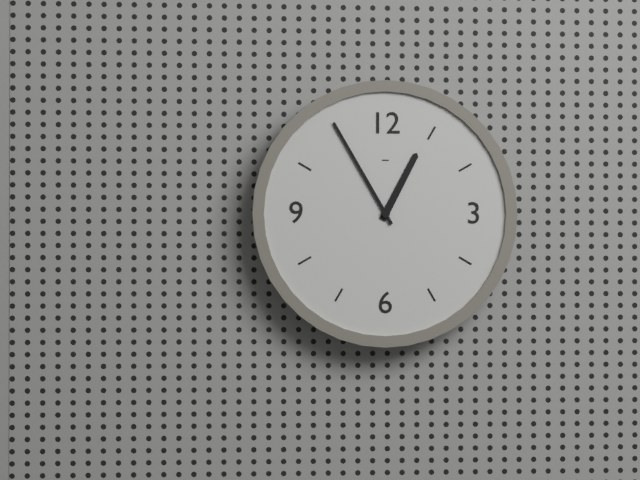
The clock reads 12.55
